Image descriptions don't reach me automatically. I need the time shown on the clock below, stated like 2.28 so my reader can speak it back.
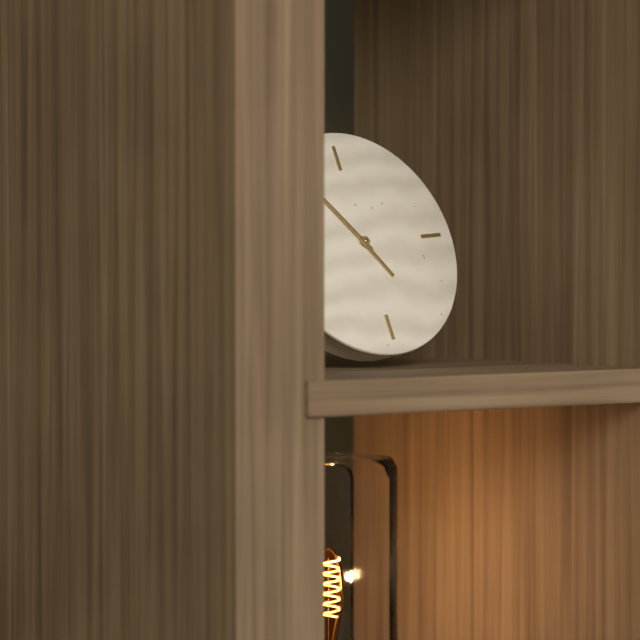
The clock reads 4.54
